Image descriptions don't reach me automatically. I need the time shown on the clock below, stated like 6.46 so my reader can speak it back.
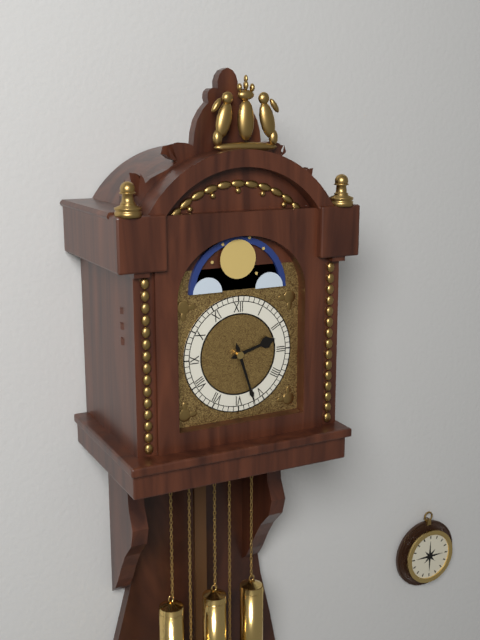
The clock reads 2.27
